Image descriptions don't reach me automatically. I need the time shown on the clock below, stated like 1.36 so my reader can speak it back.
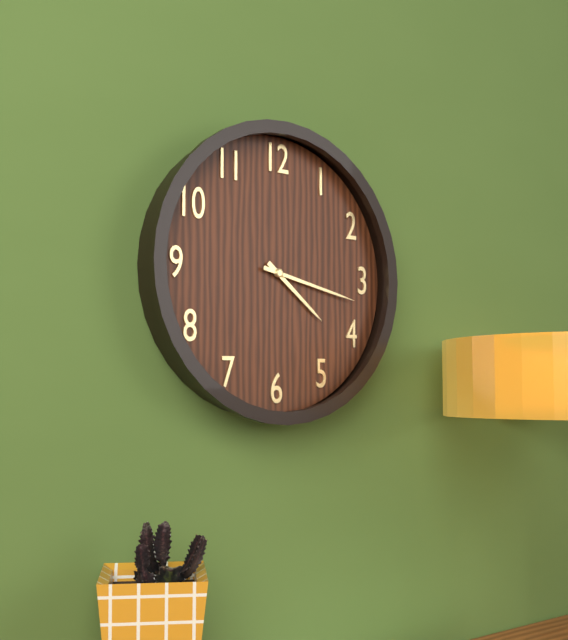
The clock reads 4.17
